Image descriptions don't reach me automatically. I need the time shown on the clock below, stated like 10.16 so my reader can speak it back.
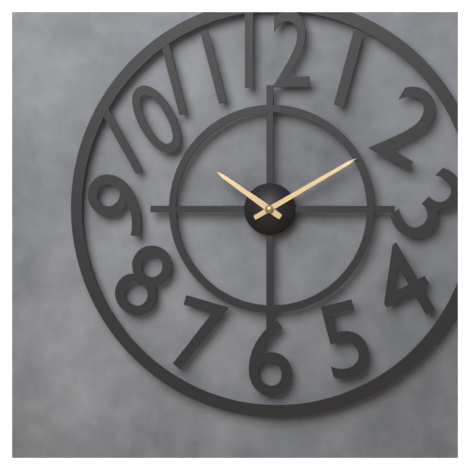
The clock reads 10.10
